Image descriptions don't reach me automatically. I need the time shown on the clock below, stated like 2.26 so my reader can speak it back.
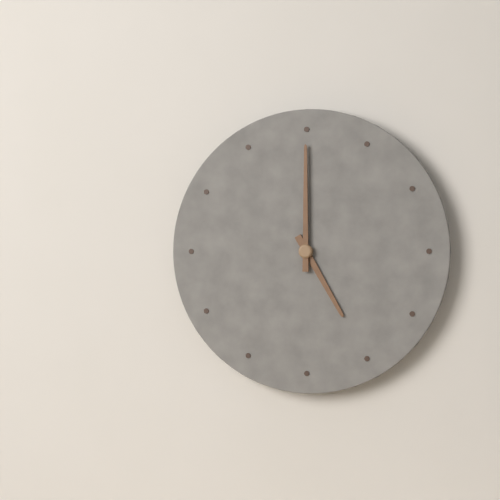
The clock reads 5.00
